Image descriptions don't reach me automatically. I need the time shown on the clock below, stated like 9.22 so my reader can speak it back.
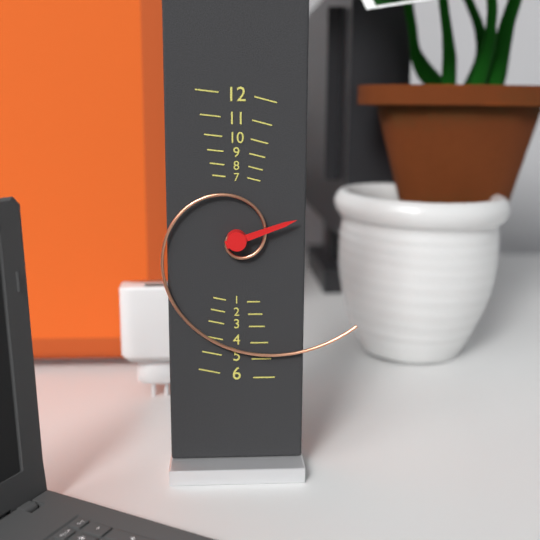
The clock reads 2.21
